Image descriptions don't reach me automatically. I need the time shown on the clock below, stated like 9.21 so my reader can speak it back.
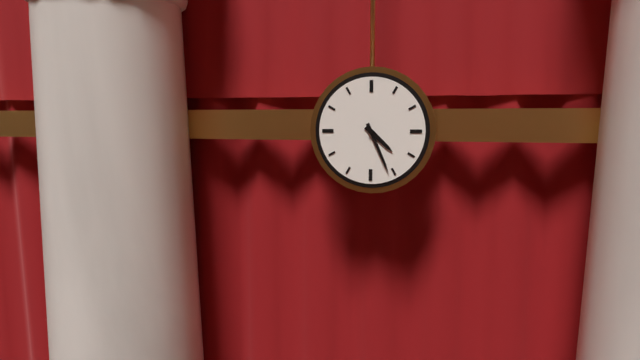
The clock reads 4.26
